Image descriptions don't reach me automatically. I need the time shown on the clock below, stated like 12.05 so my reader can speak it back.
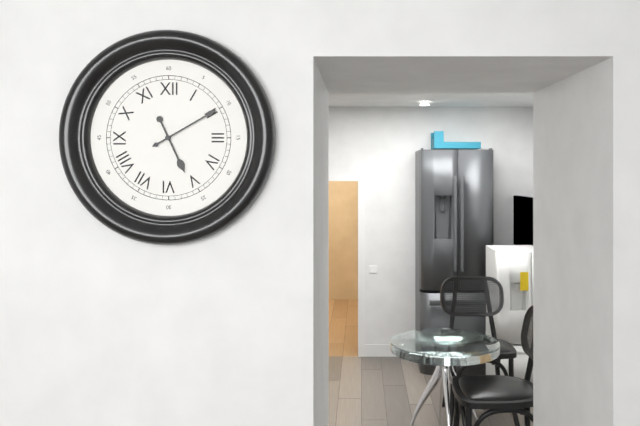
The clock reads 5.10
